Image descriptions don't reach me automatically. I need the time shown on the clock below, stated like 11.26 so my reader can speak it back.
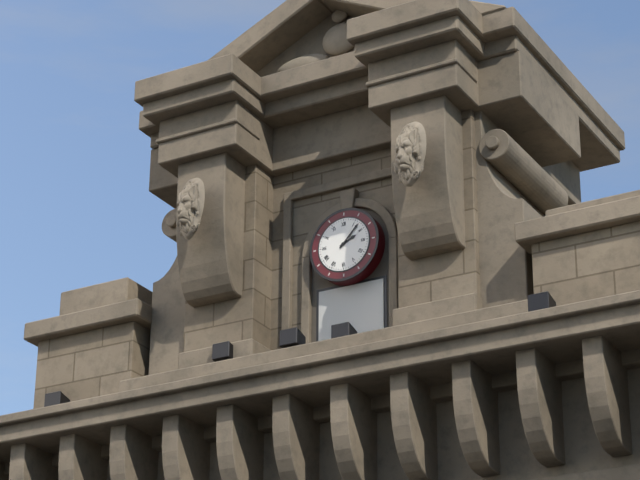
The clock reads 2.07
